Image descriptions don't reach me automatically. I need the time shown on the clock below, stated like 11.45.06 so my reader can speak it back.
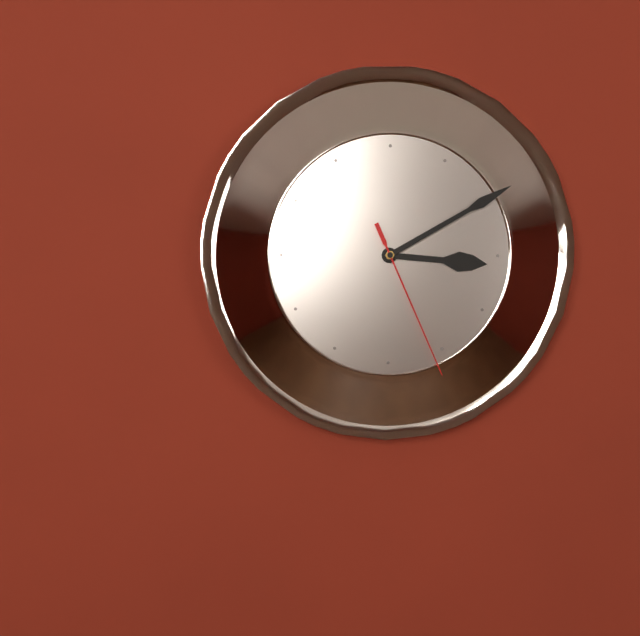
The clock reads 3.10.26
